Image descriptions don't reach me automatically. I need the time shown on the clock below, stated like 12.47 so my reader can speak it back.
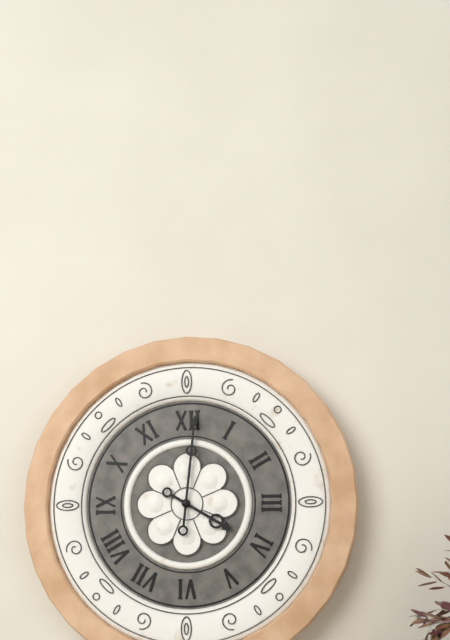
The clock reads 4.01
